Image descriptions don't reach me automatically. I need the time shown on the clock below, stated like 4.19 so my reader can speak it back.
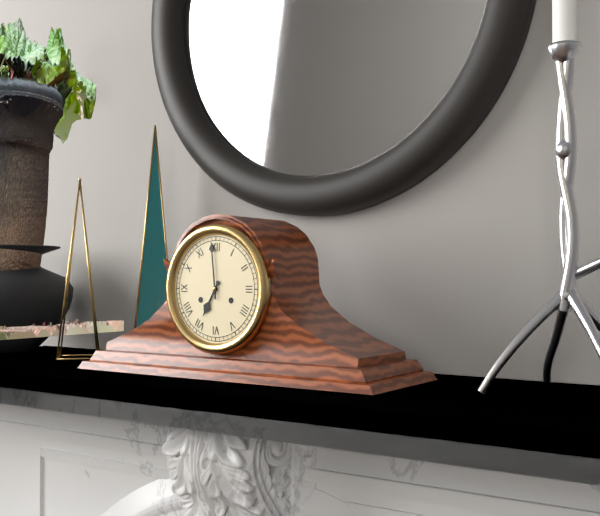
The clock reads 6.59
